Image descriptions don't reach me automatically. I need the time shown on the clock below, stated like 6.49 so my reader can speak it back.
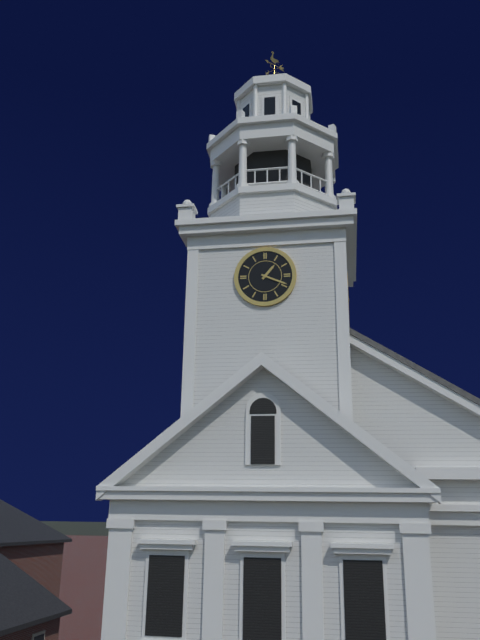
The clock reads 1.19
